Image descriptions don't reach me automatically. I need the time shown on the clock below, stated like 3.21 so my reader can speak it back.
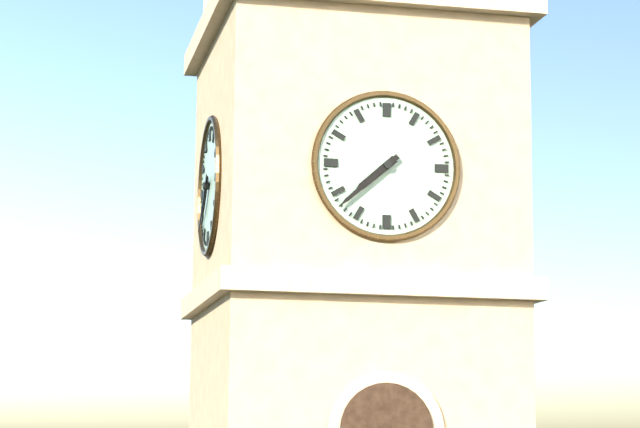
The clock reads 7.38
